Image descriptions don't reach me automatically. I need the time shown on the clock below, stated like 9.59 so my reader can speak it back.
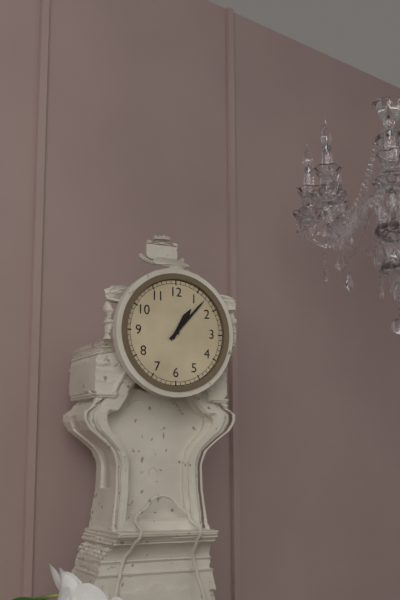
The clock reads 1.07
